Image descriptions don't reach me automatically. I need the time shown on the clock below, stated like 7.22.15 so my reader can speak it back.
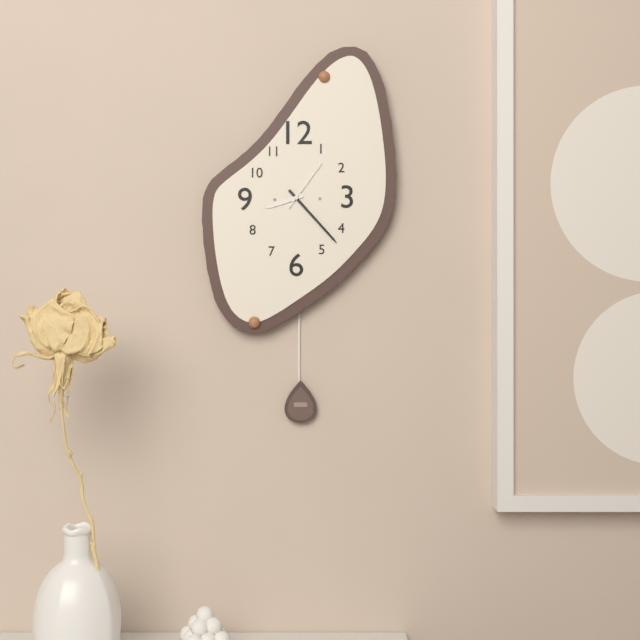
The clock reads 8.23.06
